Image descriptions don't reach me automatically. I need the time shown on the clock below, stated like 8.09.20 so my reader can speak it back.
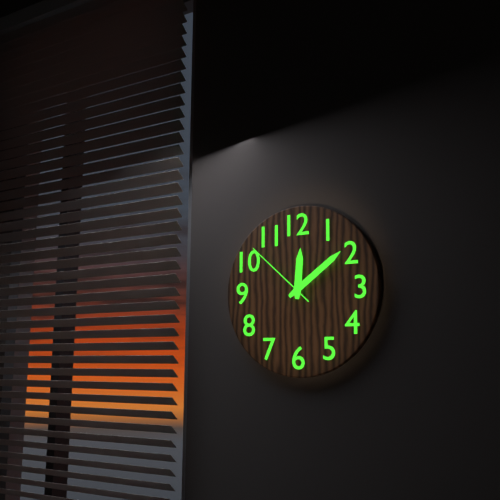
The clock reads 12.09.52
